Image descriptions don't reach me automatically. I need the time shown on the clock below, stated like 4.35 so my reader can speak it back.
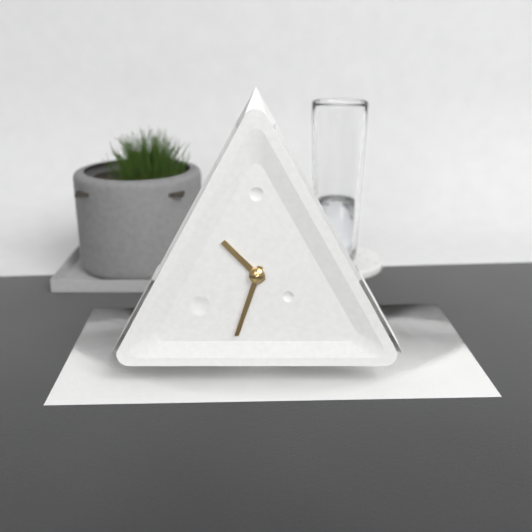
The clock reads 10.33
